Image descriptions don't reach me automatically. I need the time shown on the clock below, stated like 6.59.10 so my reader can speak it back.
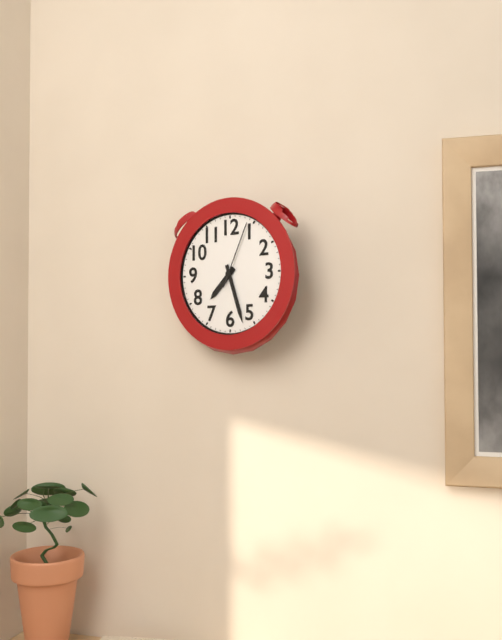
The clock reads 7.27.04
